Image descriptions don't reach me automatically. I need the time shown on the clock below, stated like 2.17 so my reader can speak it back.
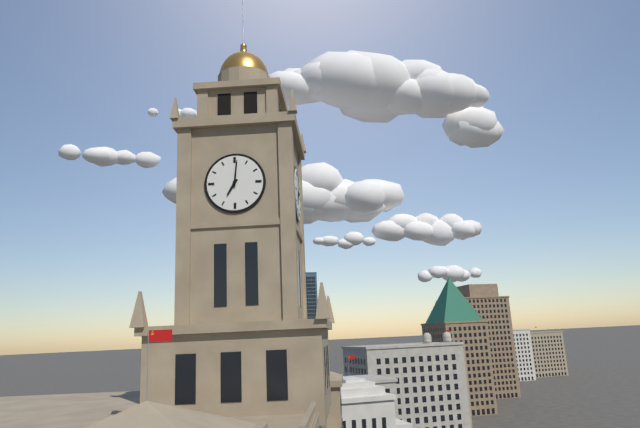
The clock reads 7.01
